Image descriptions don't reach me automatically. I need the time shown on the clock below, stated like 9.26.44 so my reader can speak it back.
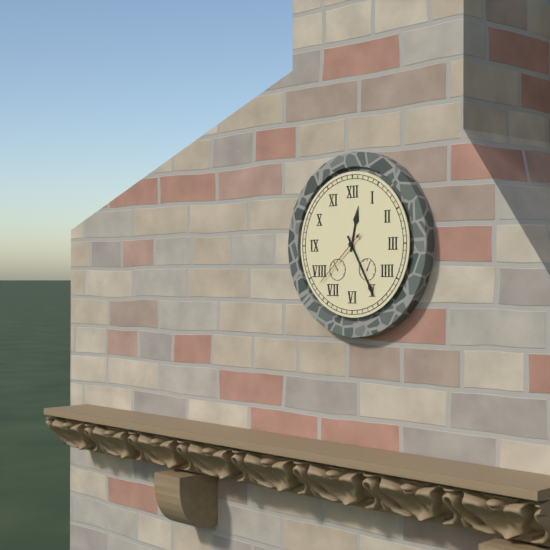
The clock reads 12.25.38
